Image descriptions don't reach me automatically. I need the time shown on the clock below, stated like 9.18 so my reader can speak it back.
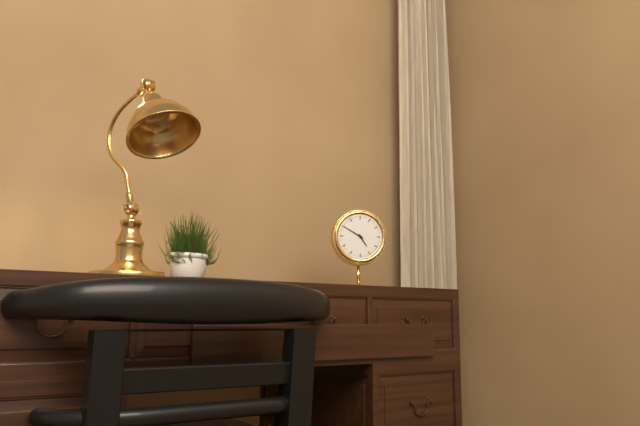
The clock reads 4.50
